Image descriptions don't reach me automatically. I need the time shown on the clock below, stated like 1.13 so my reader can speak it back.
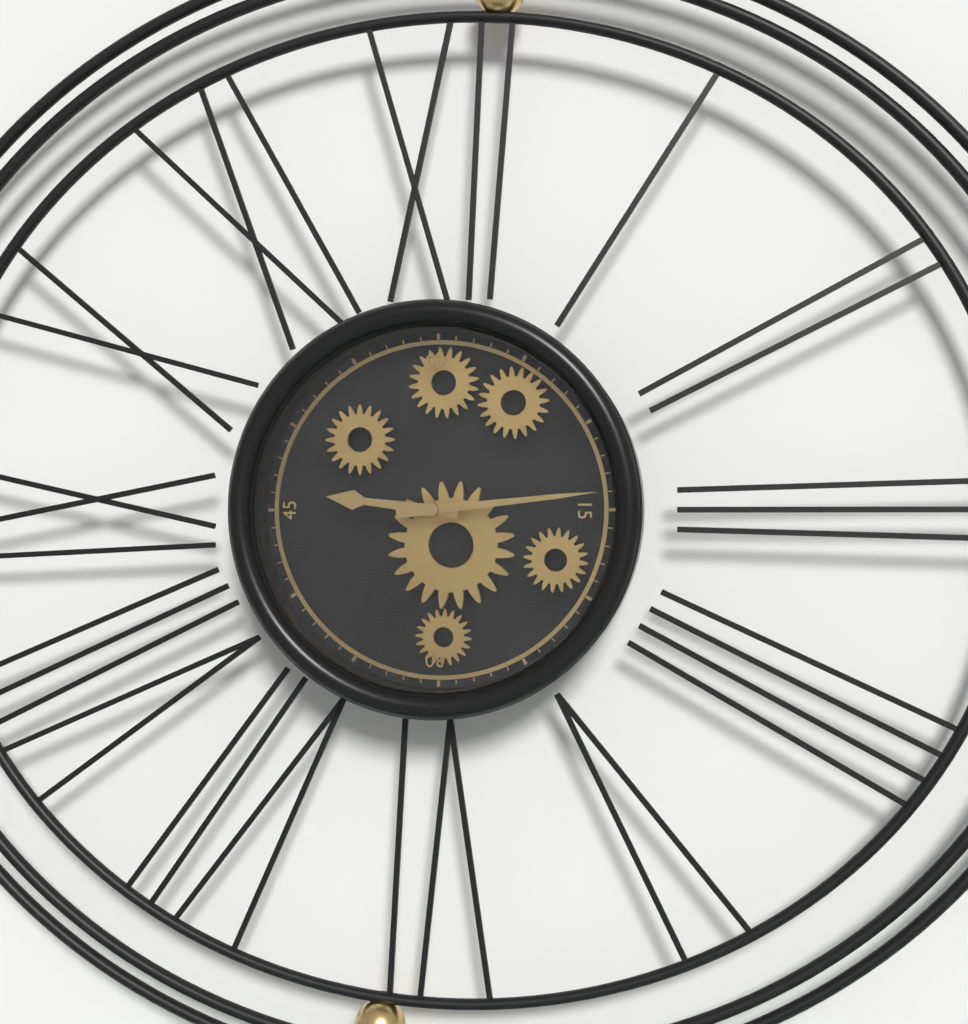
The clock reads 9.14
